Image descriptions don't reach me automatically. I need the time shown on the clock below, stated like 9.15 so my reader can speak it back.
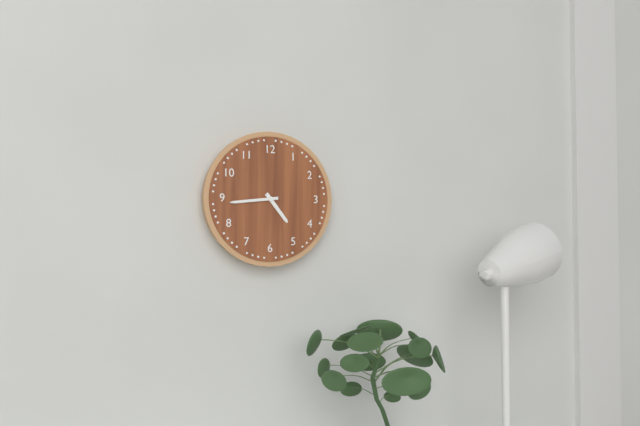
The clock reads 4.44
